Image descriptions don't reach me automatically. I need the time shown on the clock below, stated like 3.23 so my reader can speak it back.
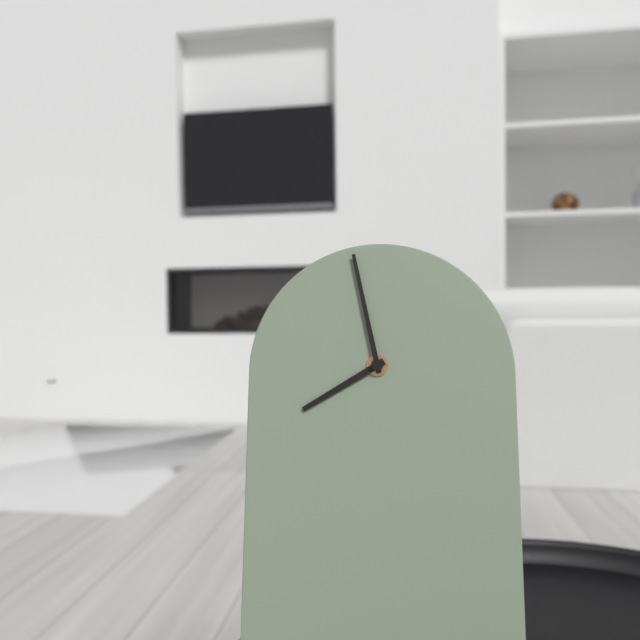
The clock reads 7.58
